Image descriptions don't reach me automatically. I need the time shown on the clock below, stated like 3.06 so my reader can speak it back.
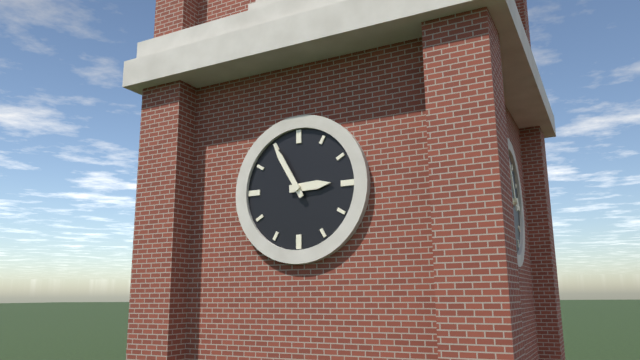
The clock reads 2.55
